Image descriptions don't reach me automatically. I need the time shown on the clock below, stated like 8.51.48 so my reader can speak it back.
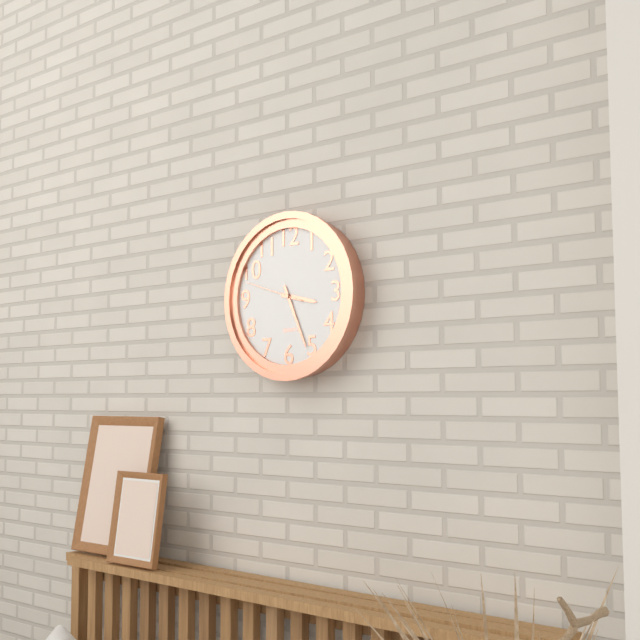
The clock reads 3.26.48
